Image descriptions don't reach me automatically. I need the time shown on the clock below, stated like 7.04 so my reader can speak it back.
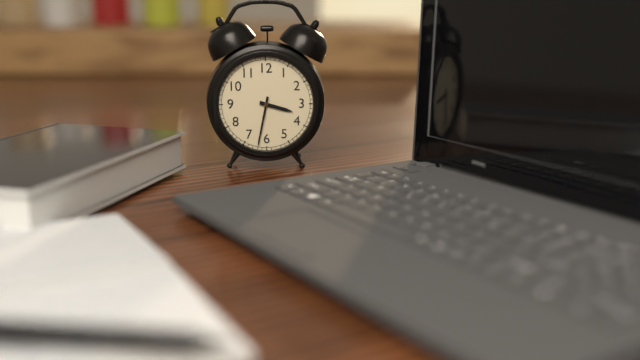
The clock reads 3.32
